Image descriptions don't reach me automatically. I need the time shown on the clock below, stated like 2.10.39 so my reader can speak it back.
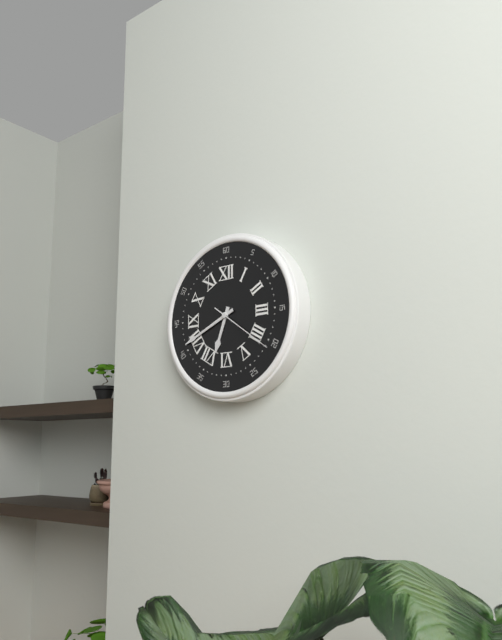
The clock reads 6.41.21
